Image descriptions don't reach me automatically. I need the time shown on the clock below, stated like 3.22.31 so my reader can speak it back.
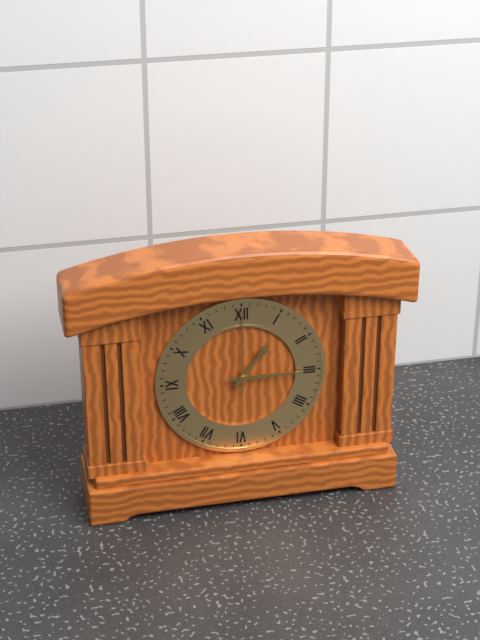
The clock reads 1.15.00
